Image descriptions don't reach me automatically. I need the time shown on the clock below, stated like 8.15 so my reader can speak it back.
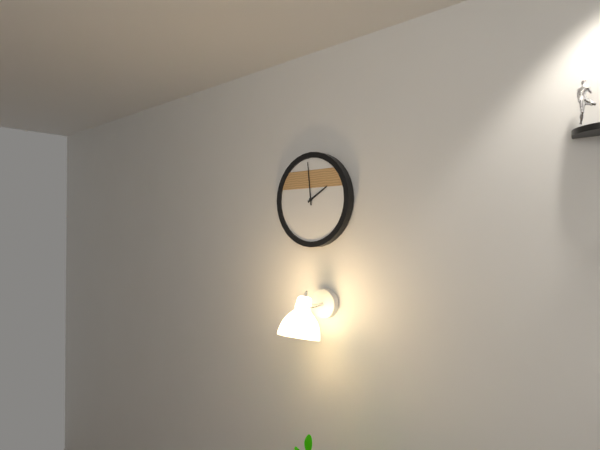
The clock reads 1.59
